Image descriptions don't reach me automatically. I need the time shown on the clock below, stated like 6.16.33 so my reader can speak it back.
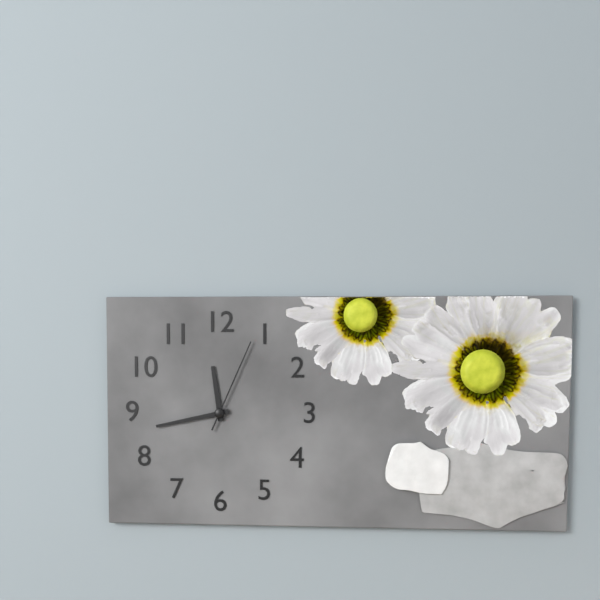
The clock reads 11.43.04
